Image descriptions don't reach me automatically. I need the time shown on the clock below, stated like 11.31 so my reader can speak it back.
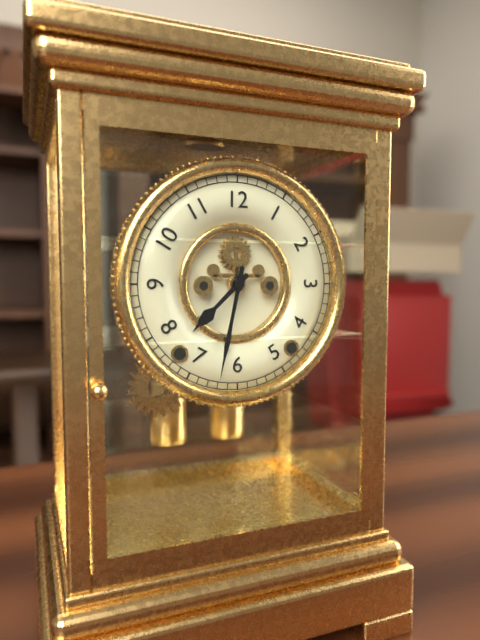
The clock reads 7.32
